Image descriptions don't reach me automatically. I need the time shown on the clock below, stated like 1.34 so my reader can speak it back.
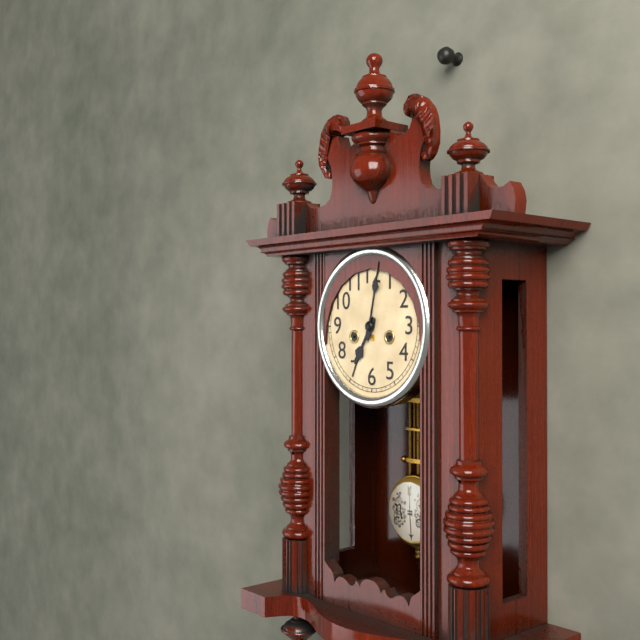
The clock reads 7.02
